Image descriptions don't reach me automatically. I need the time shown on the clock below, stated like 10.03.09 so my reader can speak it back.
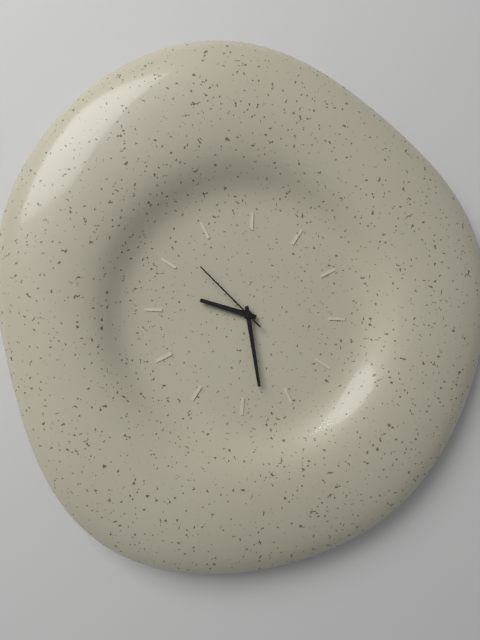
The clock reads 9.28.52
